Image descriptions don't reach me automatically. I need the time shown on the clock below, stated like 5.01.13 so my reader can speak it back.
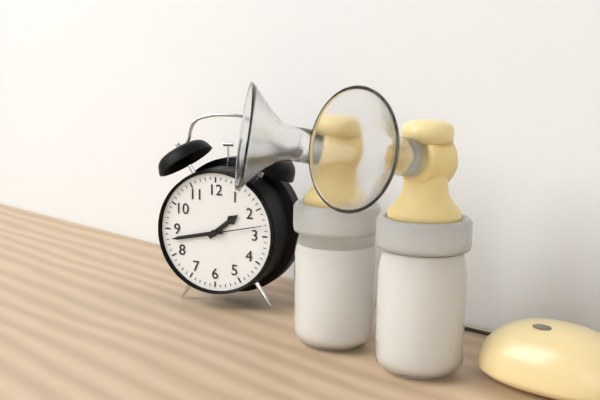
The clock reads 1.43.13
